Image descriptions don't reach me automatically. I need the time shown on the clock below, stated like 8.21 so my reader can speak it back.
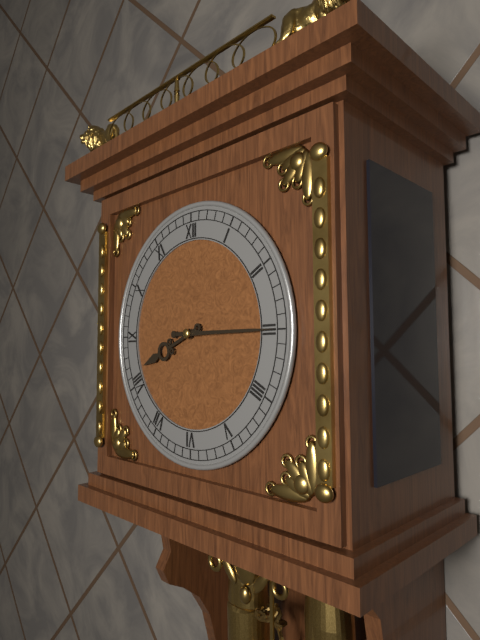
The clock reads 8.15
